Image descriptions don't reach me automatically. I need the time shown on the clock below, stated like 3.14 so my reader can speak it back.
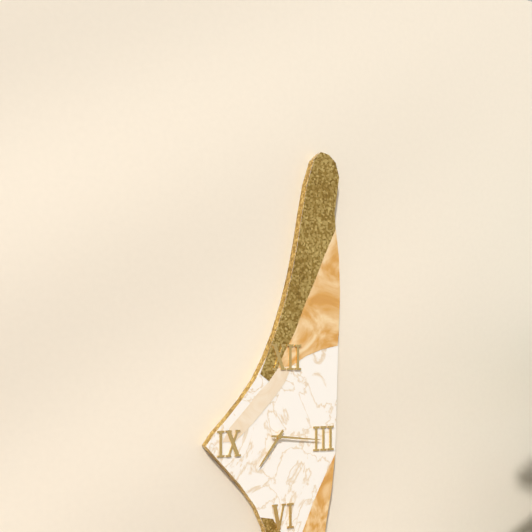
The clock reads 7.16
